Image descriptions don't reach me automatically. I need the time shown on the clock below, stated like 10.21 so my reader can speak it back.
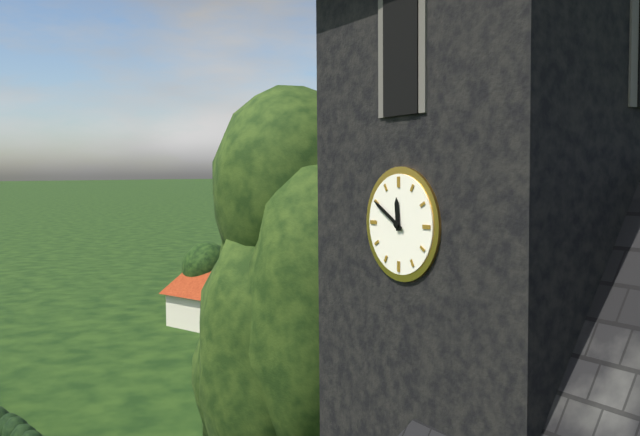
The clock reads 11.50
